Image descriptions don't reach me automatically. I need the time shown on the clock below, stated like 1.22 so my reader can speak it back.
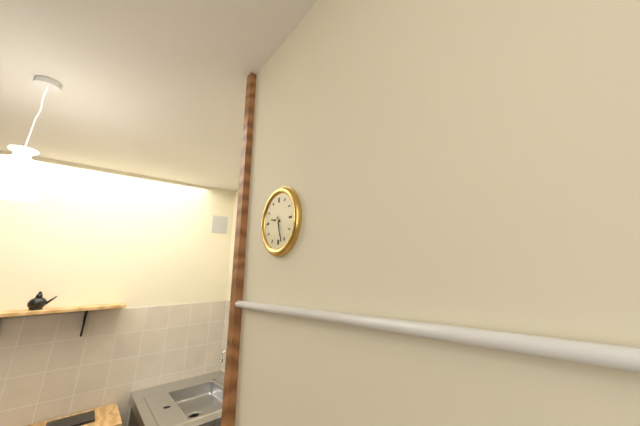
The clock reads 9.27
